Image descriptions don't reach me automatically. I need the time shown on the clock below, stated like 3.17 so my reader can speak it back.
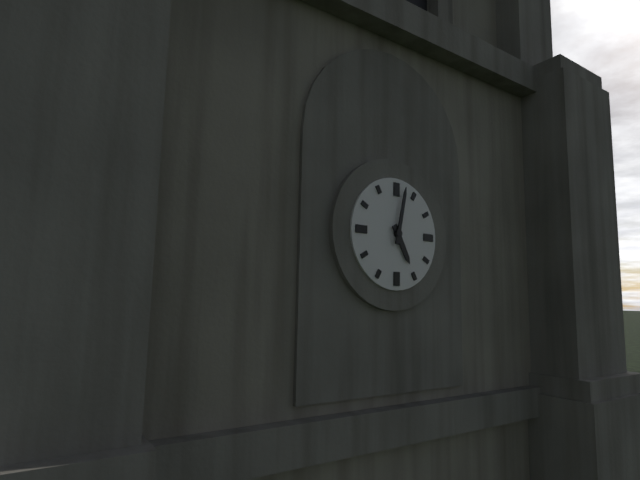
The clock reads 5.02
